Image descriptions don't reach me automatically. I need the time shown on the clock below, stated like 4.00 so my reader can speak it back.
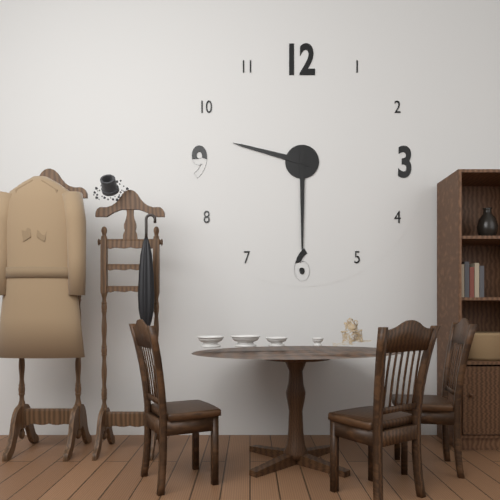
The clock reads 9.30
